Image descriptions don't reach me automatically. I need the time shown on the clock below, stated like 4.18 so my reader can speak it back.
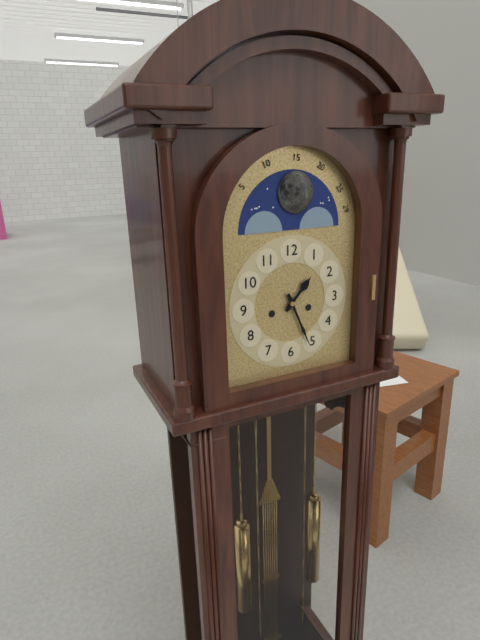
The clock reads 1.26
